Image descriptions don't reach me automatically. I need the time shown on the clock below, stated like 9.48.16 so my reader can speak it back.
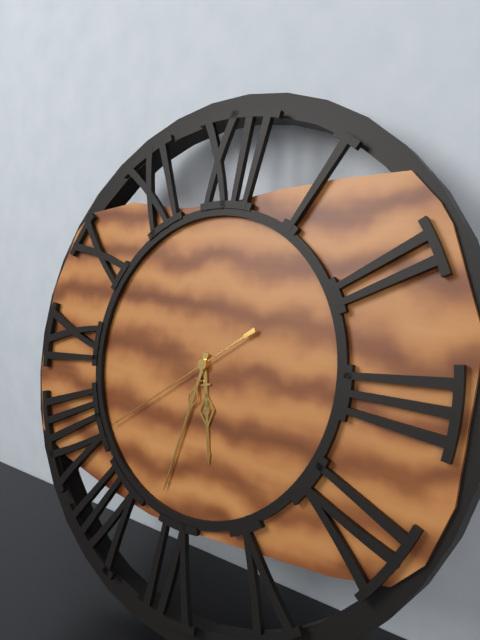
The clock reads 5.32.39
